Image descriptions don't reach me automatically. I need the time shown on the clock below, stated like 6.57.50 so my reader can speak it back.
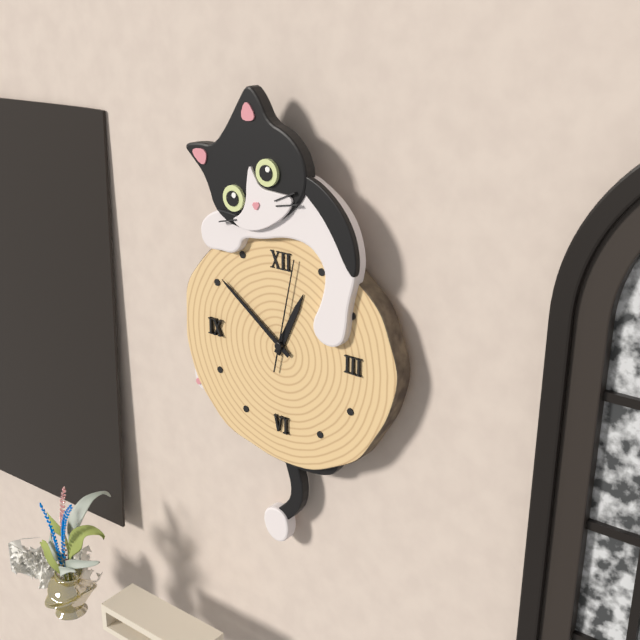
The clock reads 12.51.02
